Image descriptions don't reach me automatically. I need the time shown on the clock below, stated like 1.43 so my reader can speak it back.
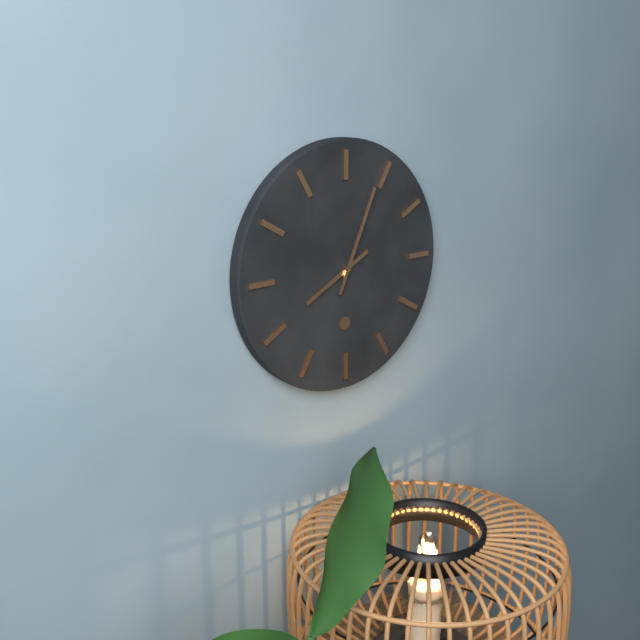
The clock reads 8.04
